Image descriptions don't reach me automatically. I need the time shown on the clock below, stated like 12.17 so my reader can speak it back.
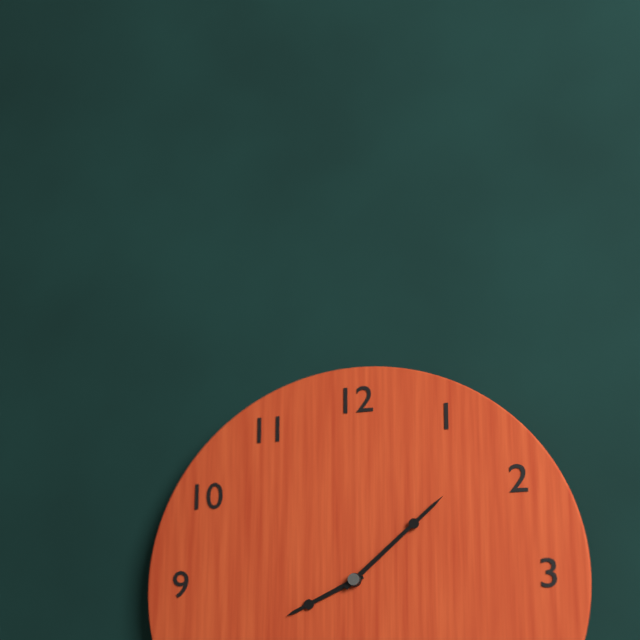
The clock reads 8.08
